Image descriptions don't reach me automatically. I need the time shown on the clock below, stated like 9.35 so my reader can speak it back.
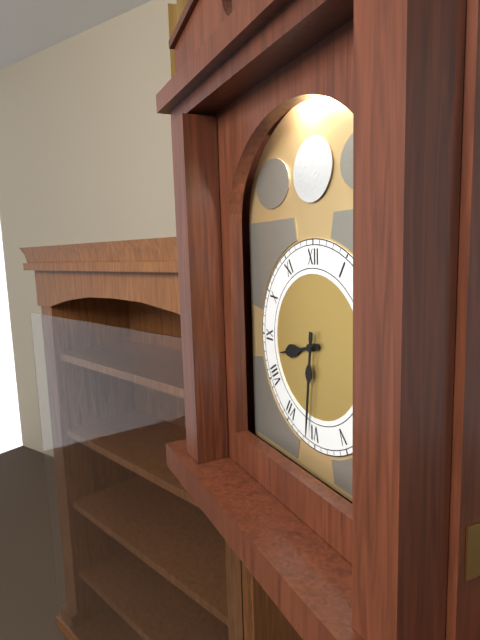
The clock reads 8.31
